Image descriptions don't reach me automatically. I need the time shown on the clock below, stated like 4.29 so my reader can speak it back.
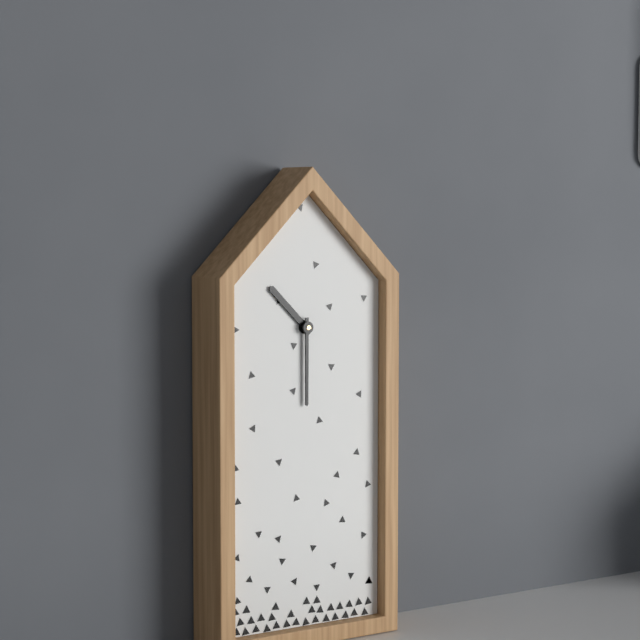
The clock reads 10.30
